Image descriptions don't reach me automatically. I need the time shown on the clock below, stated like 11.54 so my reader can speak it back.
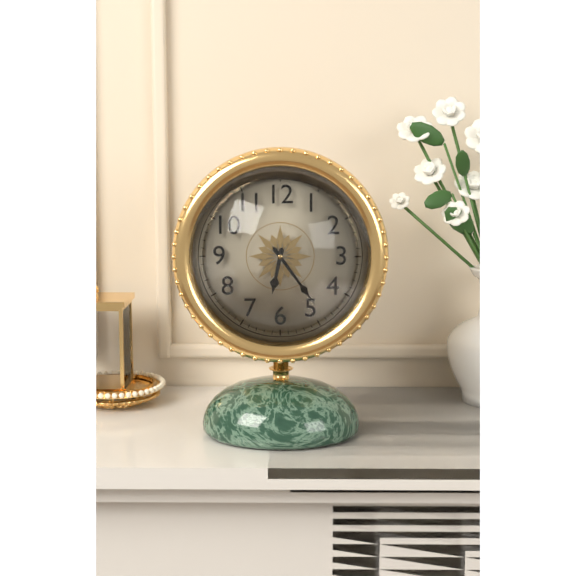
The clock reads 6.24
